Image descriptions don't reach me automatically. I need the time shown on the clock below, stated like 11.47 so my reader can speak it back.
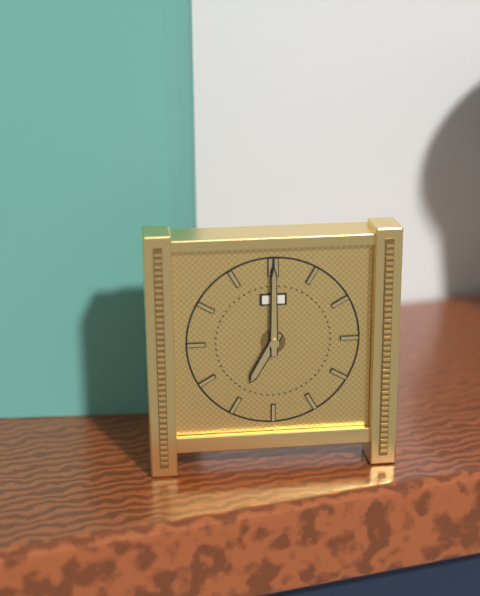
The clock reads 7.00
